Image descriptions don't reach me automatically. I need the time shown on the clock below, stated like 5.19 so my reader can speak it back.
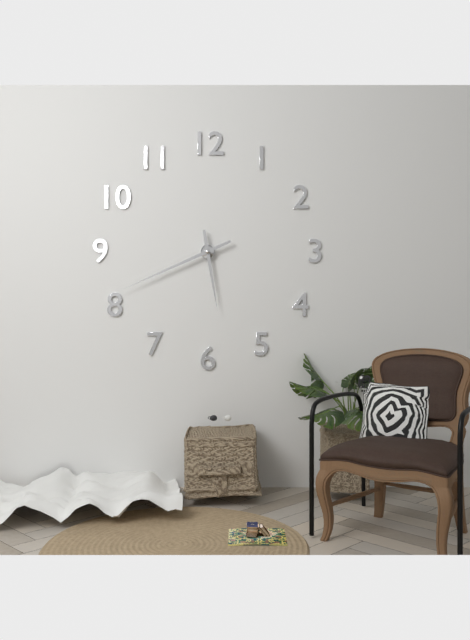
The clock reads 5.41
